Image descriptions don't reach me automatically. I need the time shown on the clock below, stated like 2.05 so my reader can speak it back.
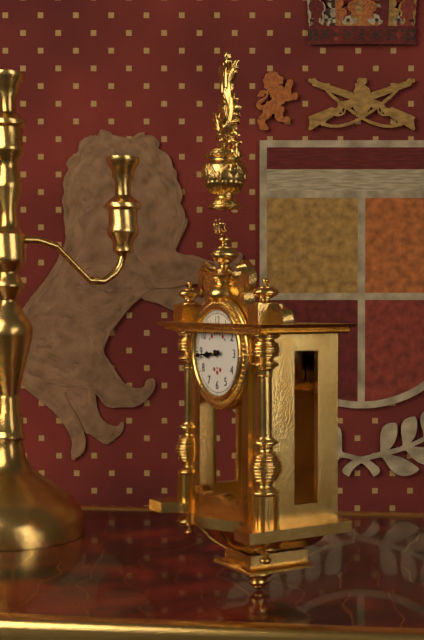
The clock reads 8.44
